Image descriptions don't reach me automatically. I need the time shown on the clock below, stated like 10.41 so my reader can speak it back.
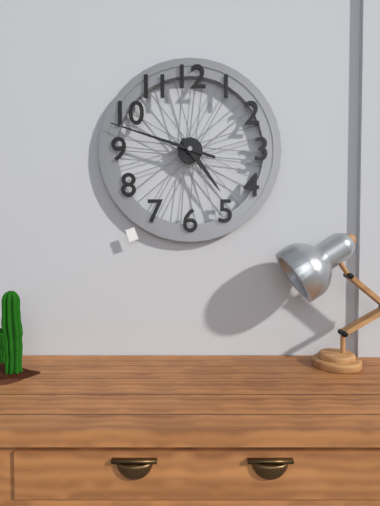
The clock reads 4.48
